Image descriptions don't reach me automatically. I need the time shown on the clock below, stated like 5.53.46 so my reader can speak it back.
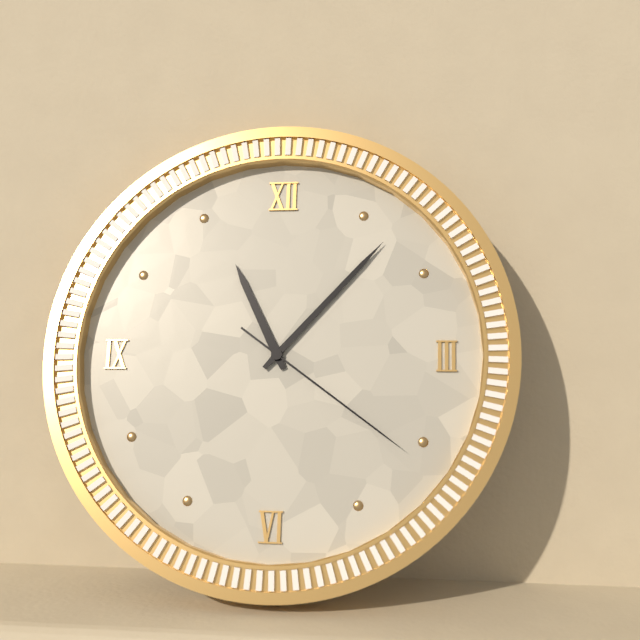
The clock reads 11.07.21
